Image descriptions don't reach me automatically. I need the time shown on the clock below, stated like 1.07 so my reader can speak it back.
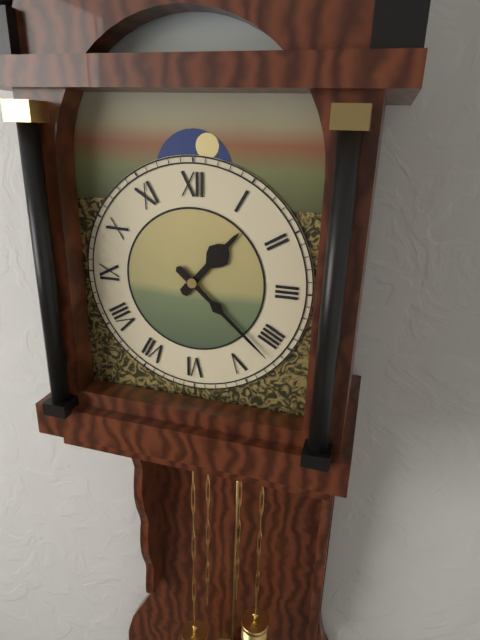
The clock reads 1.22
